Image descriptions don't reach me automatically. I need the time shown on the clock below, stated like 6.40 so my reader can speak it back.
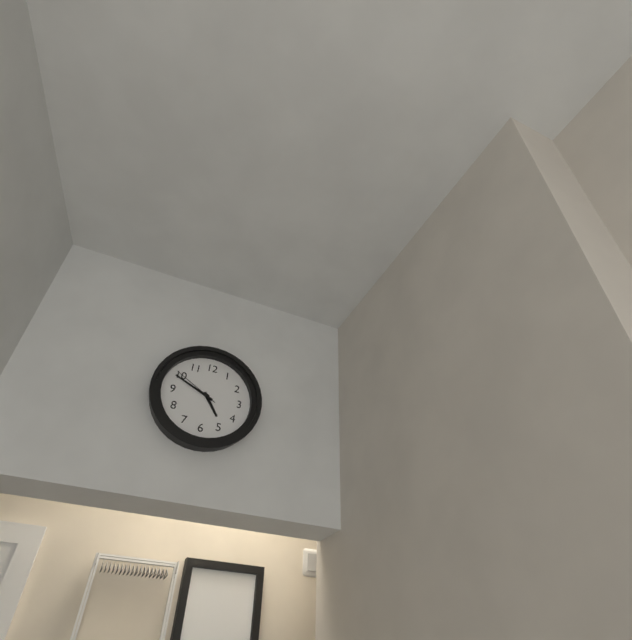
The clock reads 4.49
